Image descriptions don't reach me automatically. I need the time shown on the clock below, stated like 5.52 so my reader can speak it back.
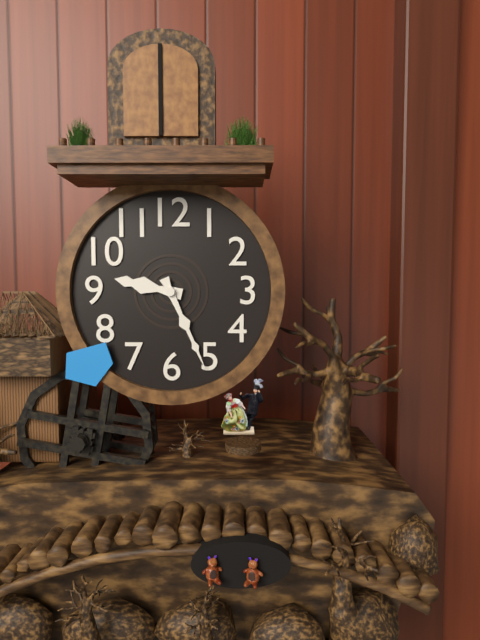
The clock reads 9.26
